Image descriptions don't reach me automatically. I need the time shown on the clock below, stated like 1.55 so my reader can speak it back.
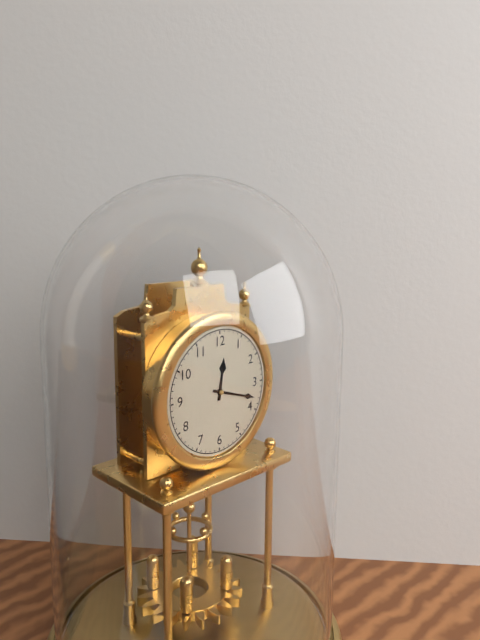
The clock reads 12.18
